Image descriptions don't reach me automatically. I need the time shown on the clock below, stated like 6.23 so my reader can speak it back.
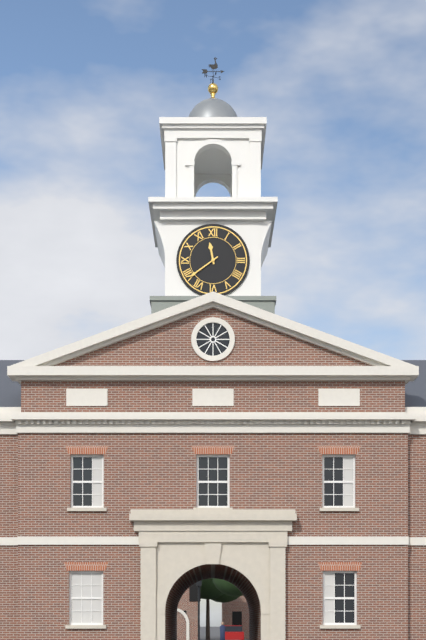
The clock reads 11.39
